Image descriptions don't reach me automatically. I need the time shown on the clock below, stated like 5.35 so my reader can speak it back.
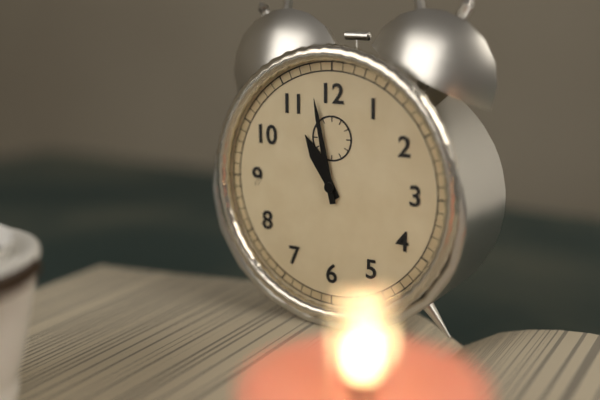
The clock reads 10.58
